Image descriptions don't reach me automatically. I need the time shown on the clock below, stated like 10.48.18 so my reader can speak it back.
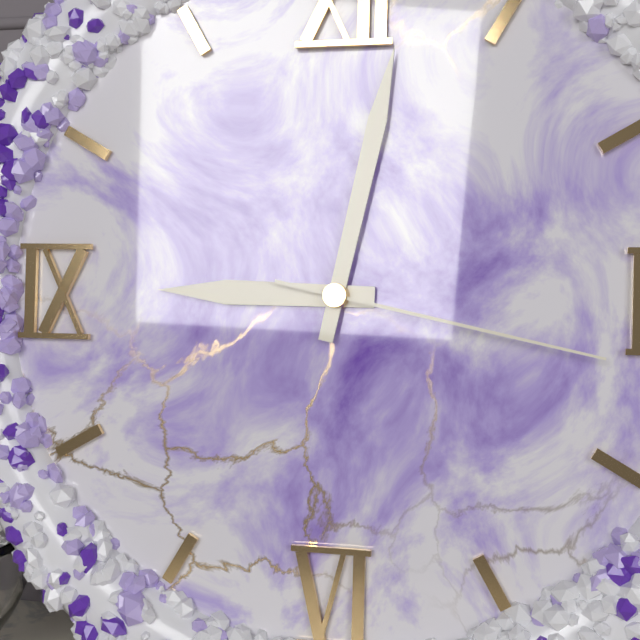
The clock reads 9.02.17
